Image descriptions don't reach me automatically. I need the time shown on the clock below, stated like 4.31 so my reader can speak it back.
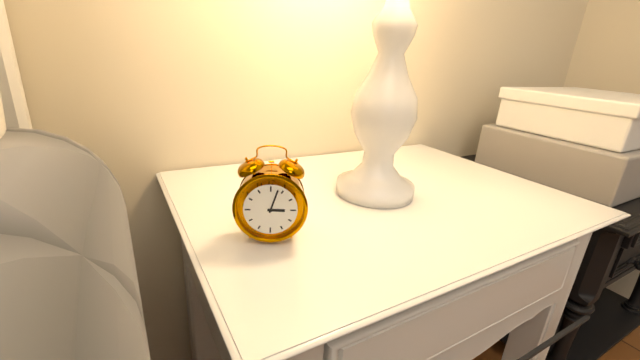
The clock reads 3.03
